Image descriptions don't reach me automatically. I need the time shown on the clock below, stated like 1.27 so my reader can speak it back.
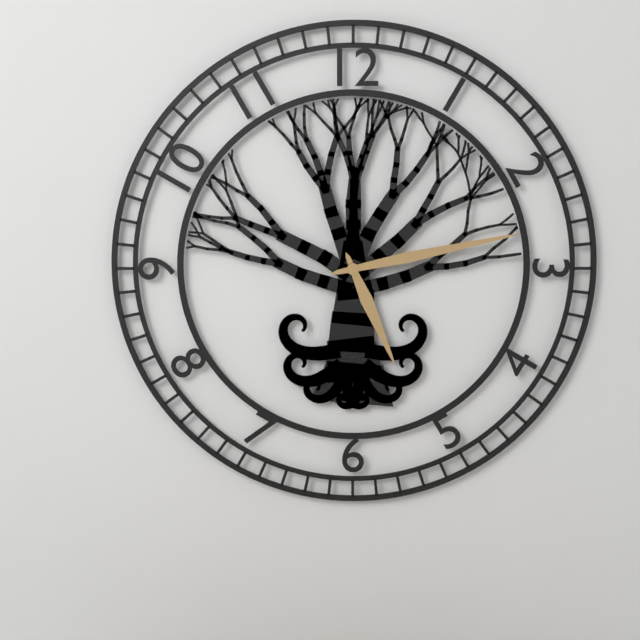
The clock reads 5.13
